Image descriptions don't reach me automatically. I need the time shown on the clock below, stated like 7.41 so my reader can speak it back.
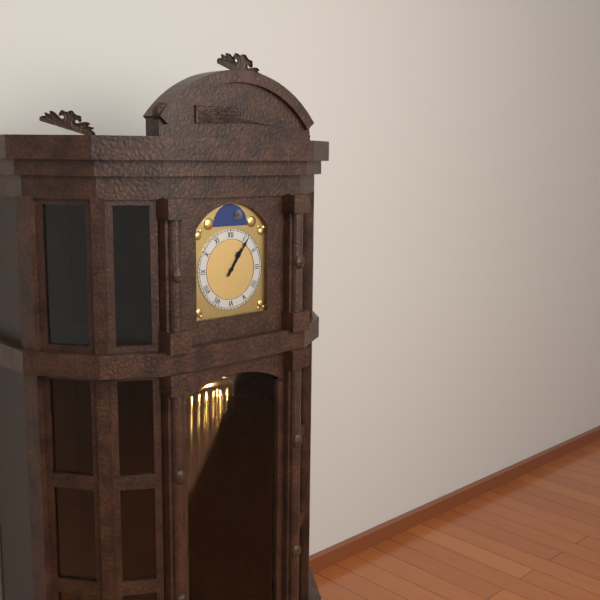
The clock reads 1.06
